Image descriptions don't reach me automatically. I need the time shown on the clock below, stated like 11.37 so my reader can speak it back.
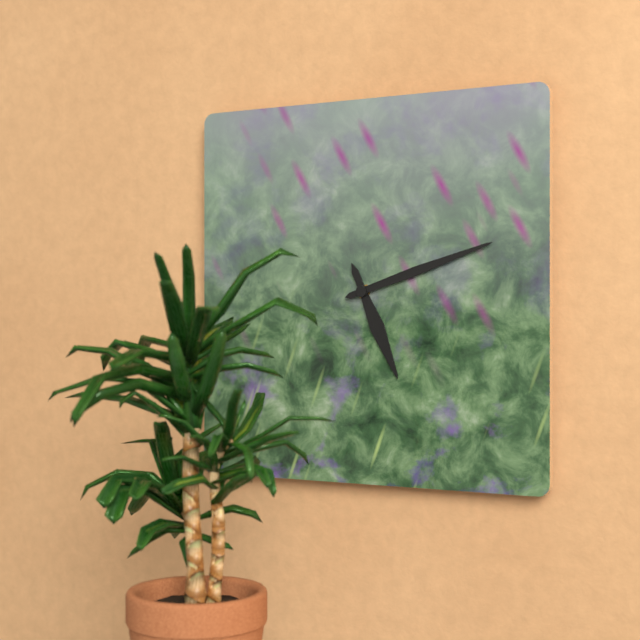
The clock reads 5.12
